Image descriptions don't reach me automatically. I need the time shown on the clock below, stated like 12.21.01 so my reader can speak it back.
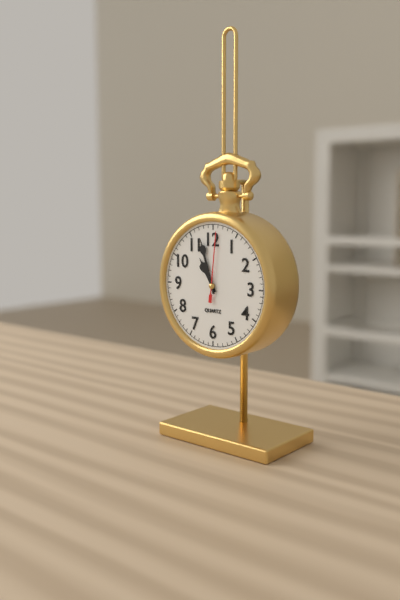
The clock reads 10.57.01
